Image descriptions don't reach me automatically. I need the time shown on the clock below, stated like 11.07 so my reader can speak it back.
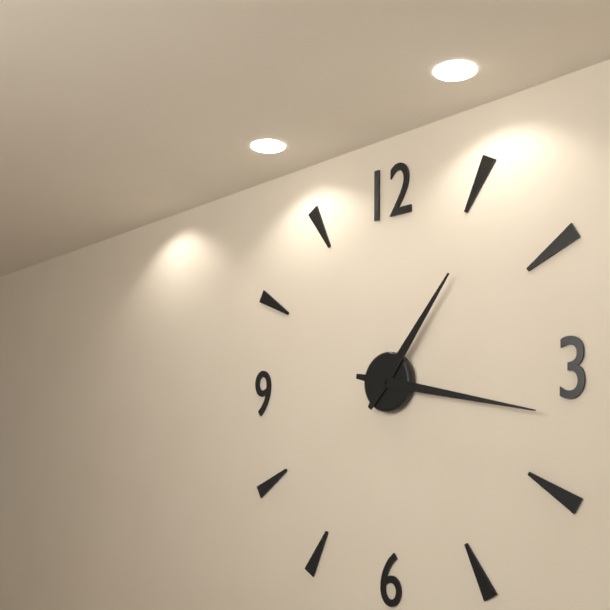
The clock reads 1.17
